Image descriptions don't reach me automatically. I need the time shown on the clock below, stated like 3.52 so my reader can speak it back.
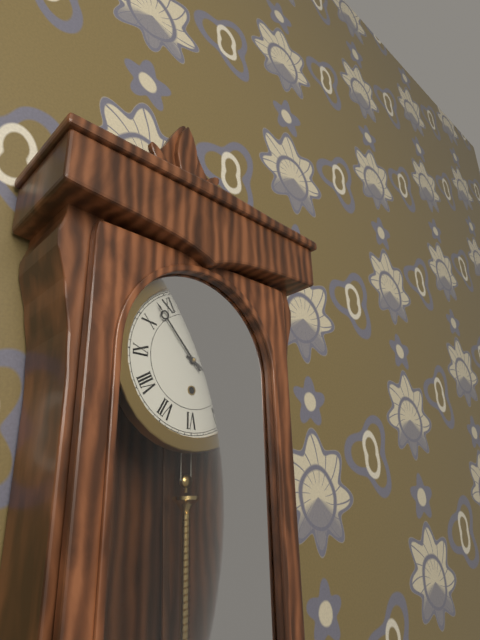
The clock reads 3.53
